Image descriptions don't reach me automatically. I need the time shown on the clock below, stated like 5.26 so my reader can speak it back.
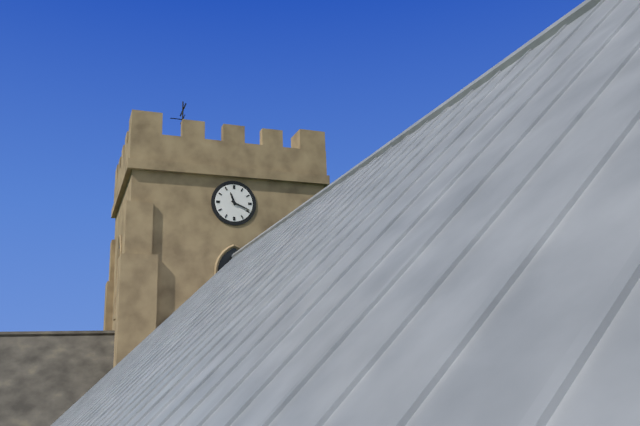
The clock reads 11.19
